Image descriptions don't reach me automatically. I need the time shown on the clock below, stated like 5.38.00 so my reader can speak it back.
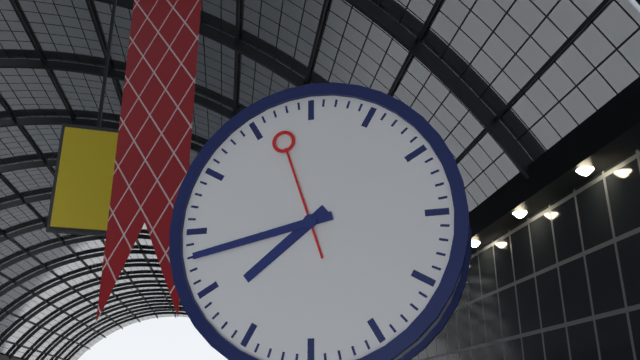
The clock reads 7.43.57
